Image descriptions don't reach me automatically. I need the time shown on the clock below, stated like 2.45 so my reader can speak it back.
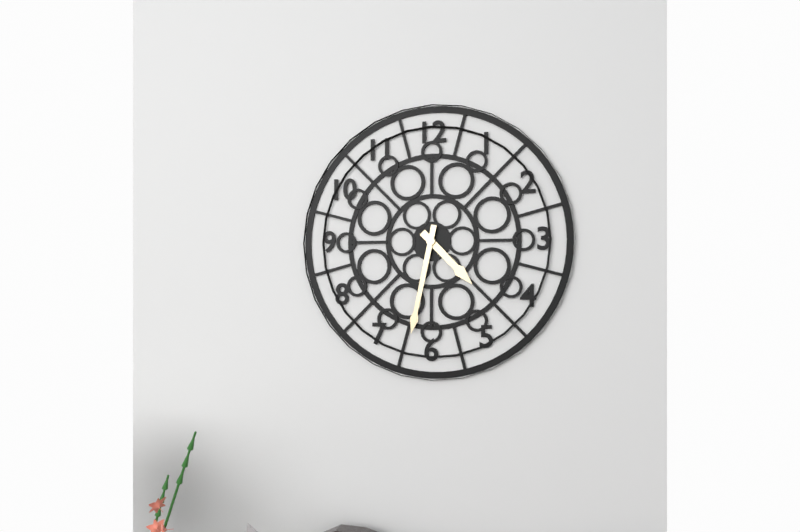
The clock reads 4.32
